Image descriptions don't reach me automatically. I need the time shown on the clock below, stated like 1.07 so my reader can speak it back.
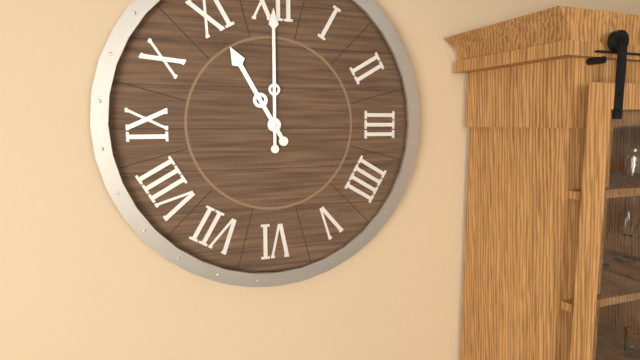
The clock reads 11.00
